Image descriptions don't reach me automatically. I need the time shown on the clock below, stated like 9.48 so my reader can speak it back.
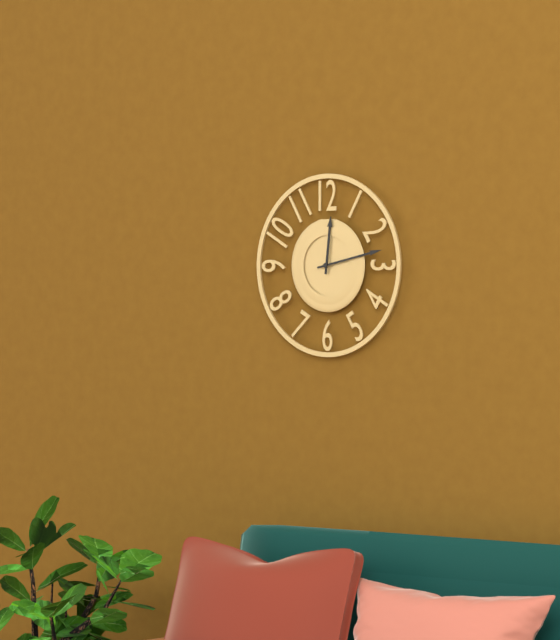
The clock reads 12.13
